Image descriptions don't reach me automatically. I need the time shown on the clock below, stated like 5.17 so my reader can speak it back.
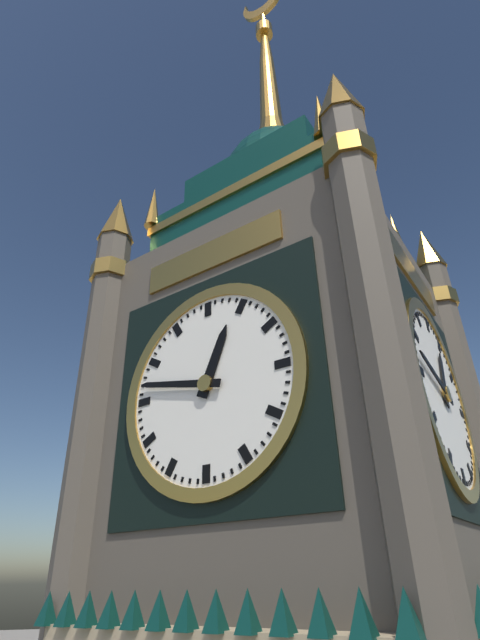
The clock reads 12.47
